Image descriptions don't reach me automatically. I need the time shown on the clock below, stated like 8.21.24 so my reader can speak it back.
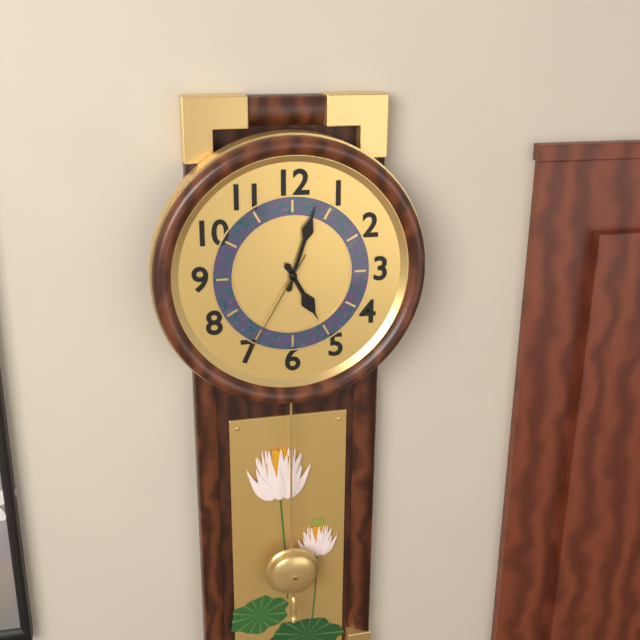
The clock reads 5.03.35
